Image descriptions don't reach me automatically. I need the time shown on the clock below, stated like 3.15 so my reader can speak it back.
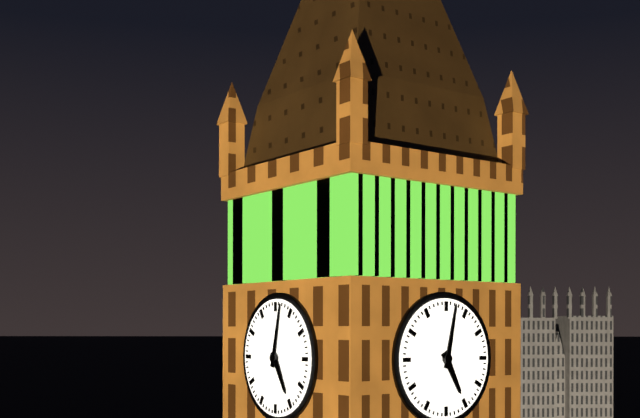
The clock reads 5.02
